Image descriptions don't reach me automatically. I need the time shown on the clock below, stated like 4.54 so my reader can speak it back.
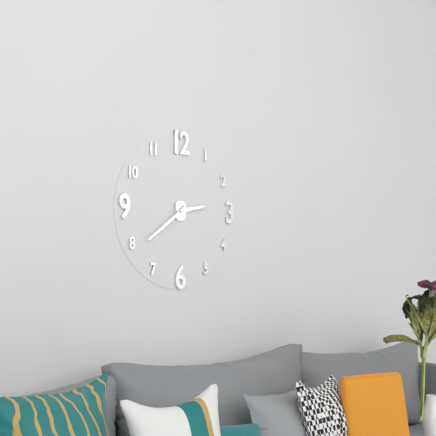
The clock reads 2.39
